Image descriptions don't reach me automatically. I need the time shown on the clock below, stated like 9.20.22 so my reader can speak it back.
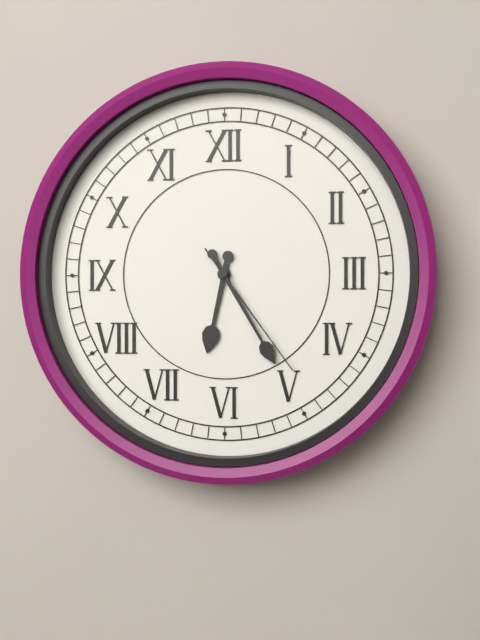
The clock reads 6.25.24
